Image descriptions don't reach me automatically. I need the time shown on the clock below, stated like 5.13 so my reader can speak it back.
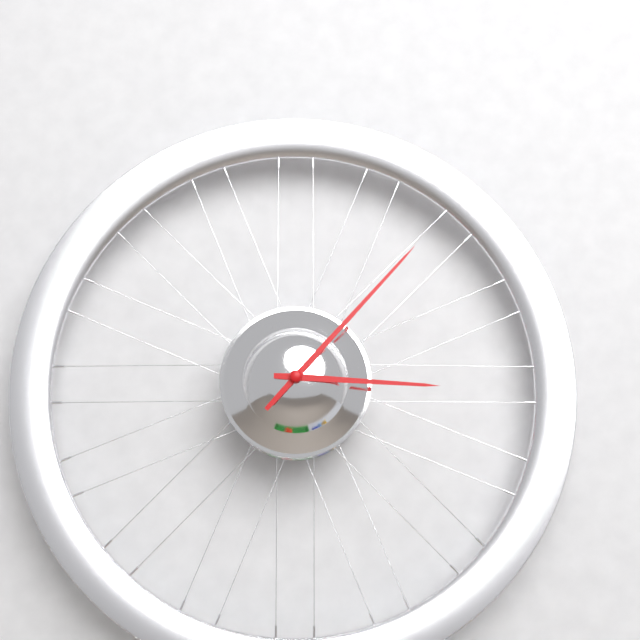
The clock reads 3.07
